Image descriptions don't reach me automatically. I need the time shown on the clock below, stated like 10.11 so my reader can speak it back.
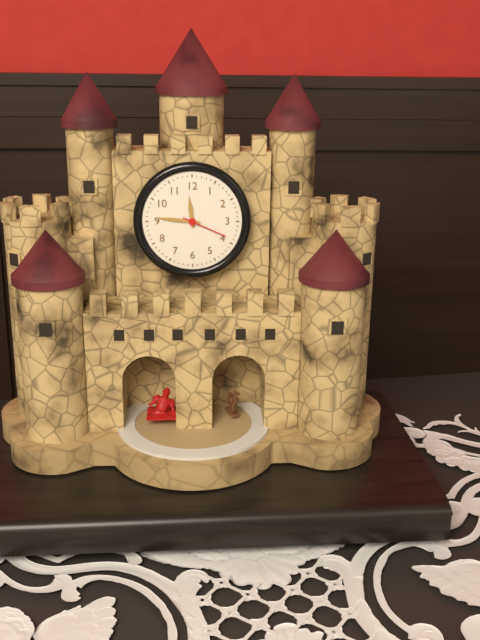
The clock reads 11.46
